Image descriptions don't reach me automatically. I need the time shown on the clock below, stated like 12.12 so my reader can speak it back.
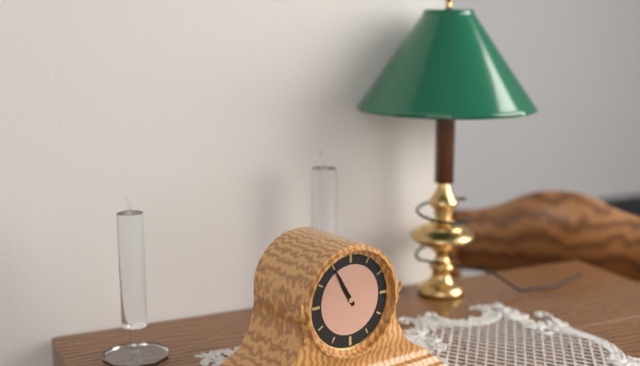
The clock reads 10.55
